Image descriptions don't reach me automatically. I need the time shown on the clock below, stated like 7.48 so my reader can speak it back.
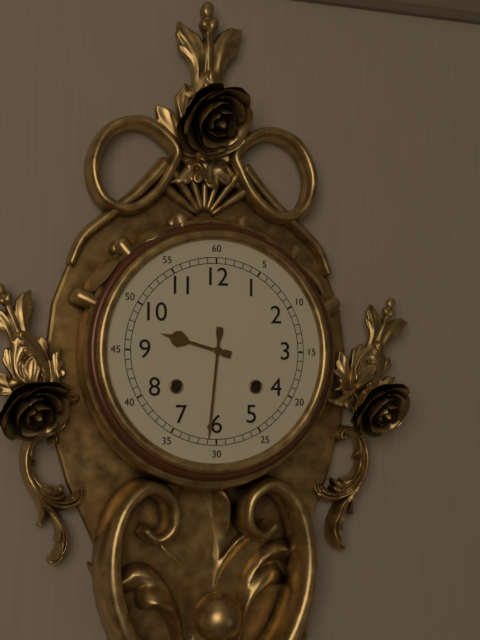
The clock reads 9.31
